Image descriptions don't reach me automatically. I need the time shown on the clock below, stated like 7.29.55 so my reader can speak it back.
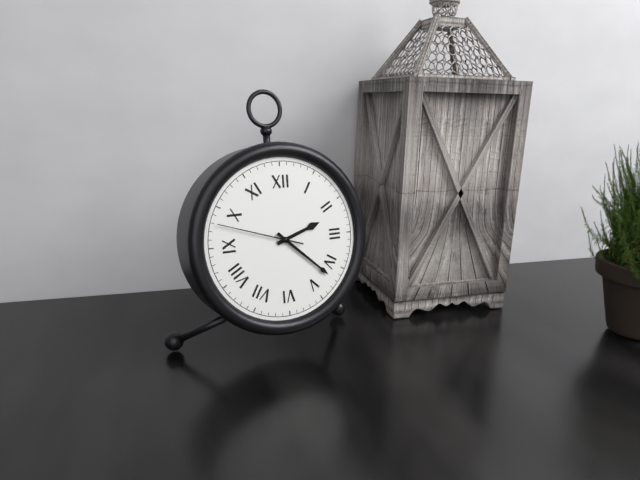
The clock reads 2.22.48
